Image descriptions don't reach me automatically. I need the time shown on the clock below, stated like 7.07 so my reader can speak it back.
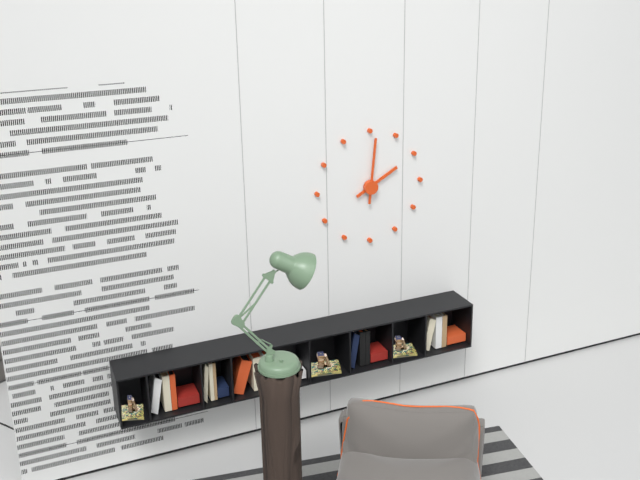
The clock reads 2.01
